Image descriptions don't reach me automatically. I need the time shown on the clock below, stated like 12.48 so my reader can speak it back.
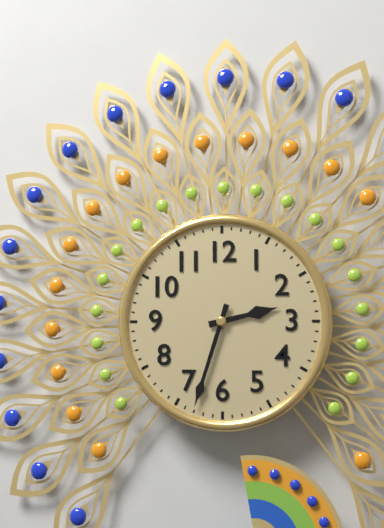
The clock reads 2.33
